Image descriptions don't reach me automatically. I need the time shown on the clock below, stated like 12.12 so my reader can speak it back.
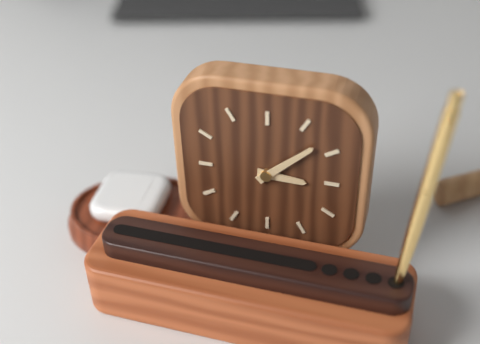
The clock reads 3.08
